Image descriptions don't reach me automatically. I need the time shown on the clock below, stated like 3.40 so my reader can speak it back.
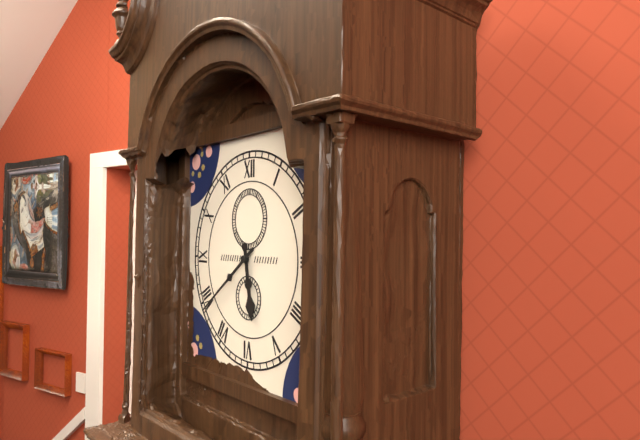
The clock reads 5.39
